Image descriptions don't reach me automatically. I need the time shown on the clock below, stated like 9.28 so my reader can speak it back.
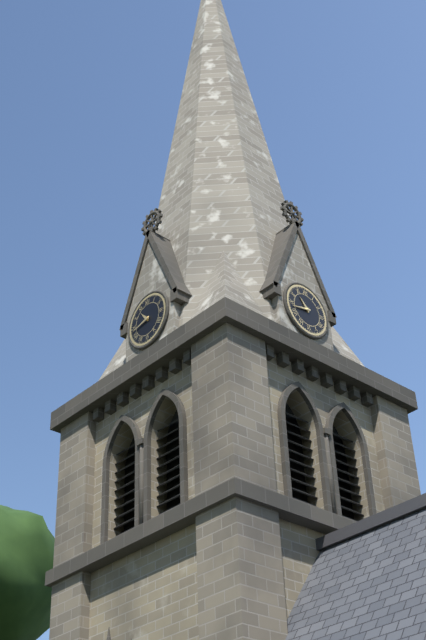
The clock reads 10.43
